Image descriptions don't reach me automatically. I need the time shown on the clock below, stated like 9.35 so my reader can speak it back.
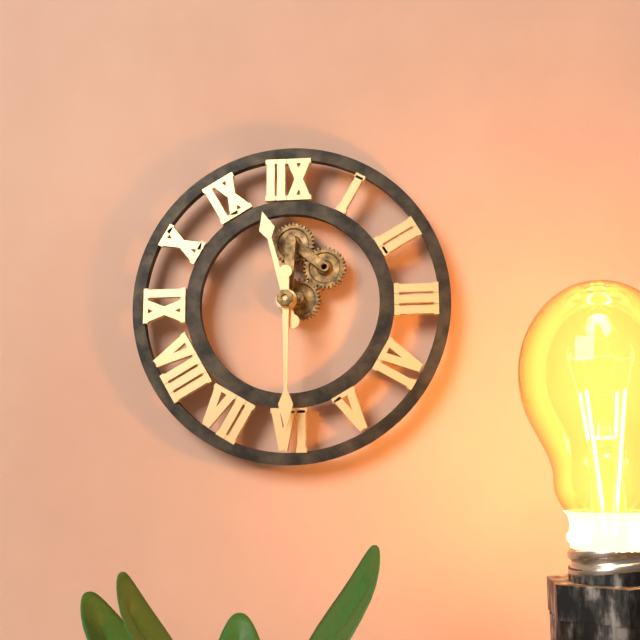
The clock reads 11.30
